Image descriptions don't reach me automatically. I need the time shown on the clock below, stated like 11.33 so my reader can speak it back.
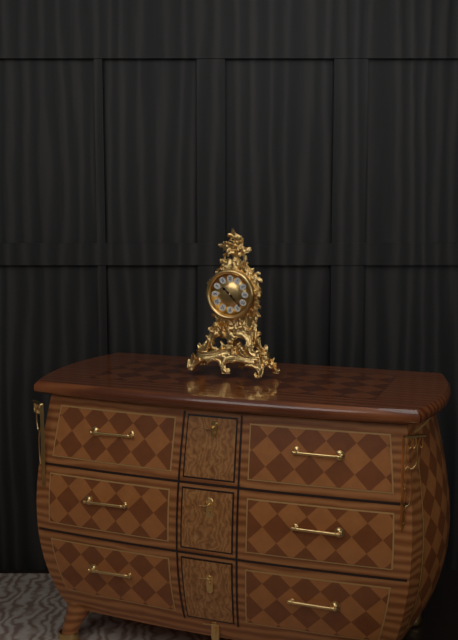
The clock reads 10.23
